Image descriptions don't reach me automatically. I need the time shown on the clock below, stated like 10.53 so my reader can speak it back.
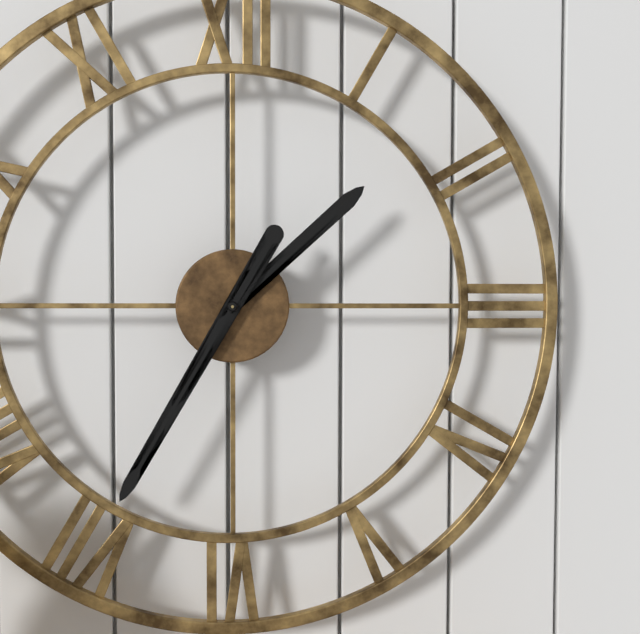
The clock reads 1.35
